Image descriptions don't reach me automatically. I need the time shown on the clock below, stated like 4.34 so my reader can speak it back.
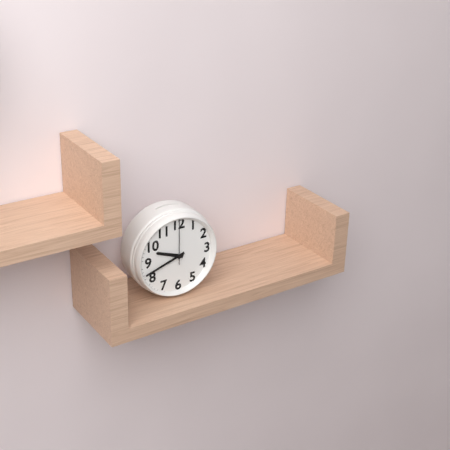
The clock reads 9.42
